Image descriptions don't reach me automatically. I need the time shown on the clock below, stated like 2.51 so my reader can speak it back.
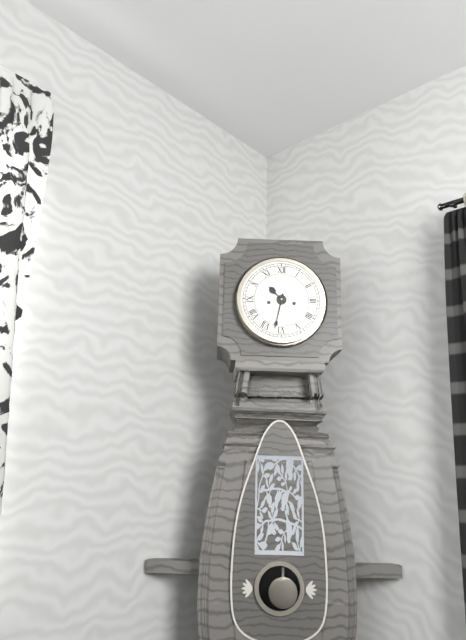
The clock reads 10.32
